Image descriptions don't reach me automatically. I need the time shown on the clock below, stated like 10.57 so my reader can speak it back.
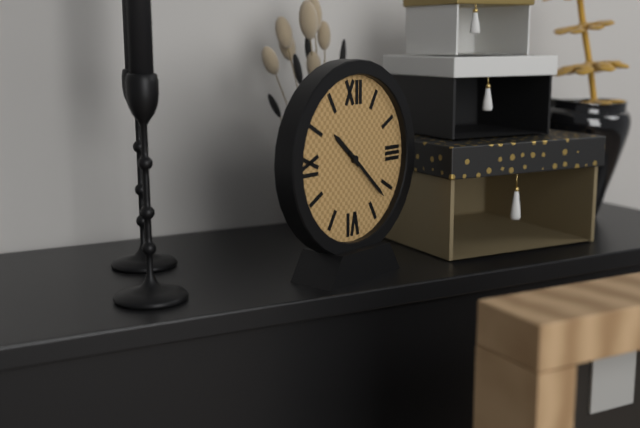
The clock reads 10.22
